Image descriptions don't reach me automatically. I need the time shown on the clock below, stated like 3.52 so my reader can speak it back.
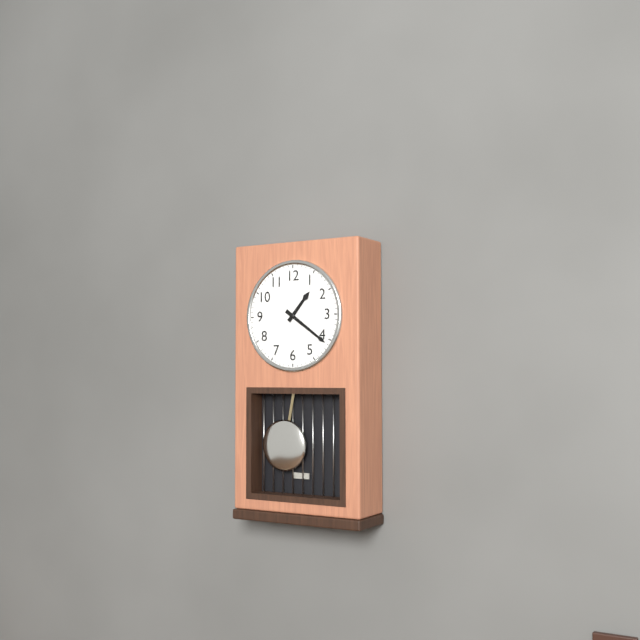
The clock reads 1.21
